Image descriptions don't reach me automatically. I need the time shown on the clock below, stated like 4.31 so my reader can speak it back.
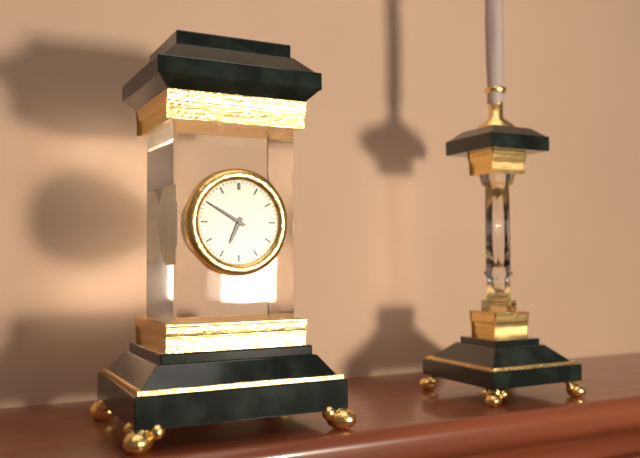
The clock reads 6.50
